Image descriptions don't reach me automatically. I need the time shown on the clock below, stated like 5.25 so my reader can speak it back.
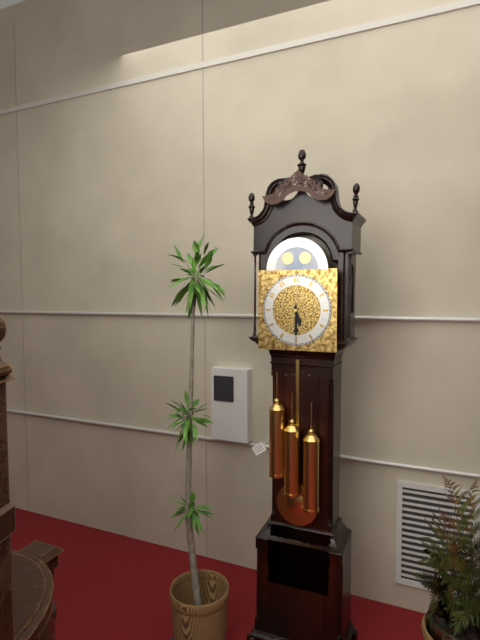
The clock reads 5.30
